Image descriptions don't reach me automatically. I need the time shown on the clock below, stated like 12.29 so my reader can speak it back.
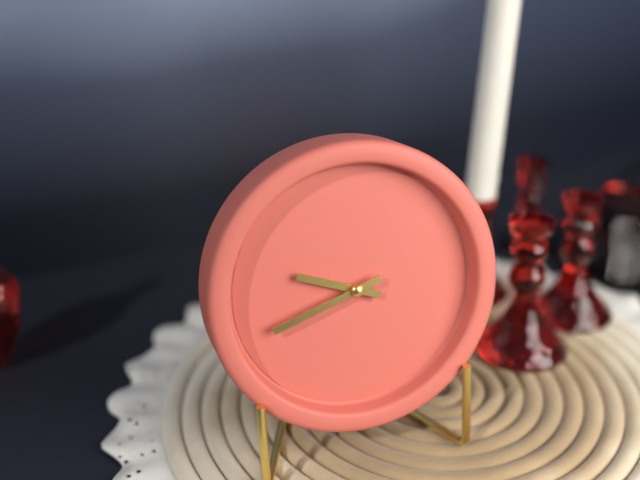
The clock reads 9.42
